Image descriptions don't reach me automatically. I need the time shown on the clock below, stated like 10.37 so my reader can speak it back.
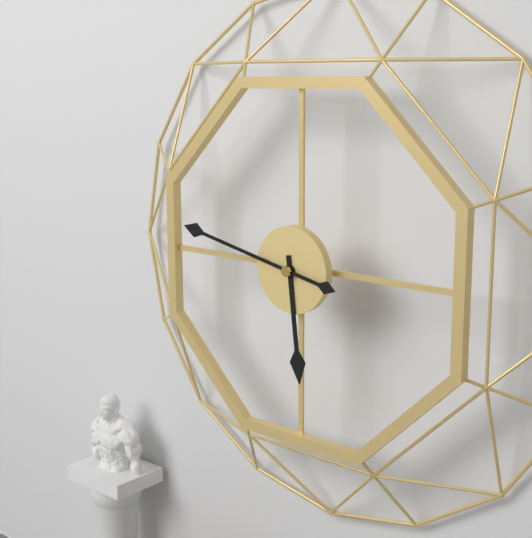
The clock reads 5.47
